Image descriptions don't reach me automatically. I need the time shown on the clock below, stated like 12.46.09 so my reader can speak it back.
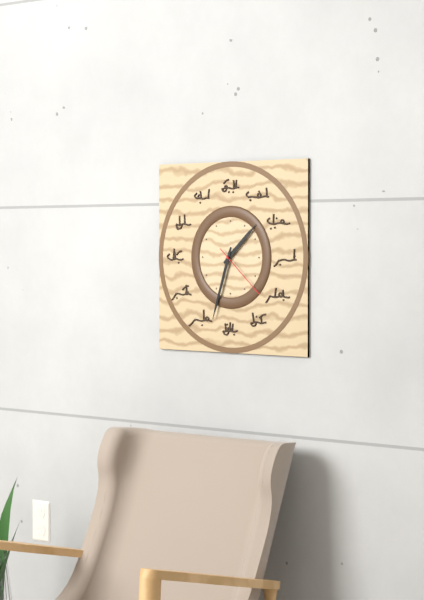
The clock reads 1.33.22
